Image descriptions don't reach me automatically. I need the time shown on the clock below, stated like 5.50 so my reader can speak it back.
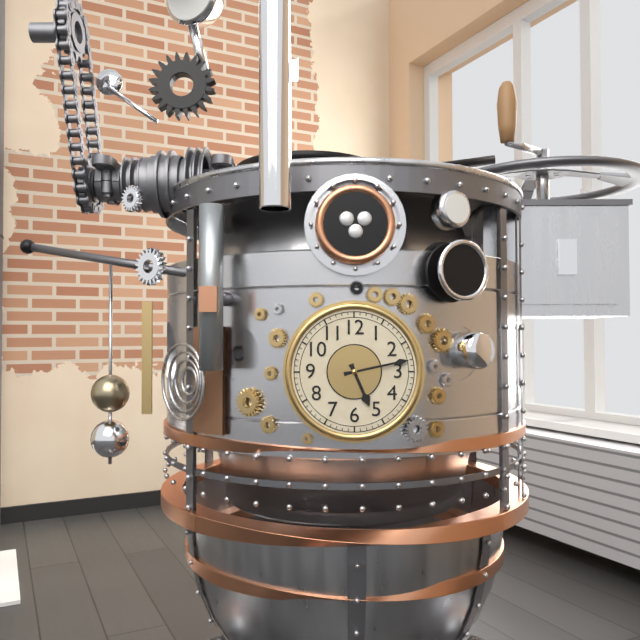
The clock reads 5.13
